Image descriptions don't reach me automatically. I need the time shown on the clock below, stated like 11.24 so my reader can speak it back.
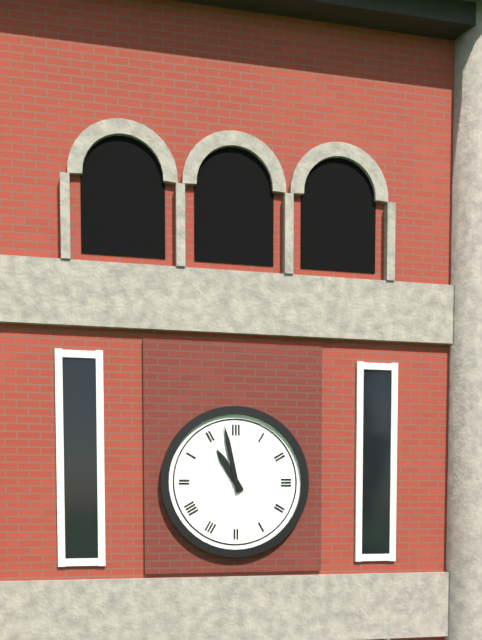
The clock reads 10.58
